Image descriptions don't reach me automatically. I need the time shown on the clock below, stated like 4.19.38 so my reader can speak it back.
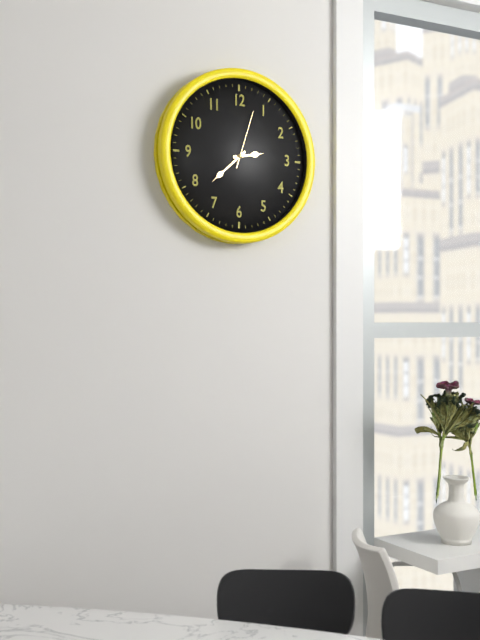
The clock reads 2.38.03
